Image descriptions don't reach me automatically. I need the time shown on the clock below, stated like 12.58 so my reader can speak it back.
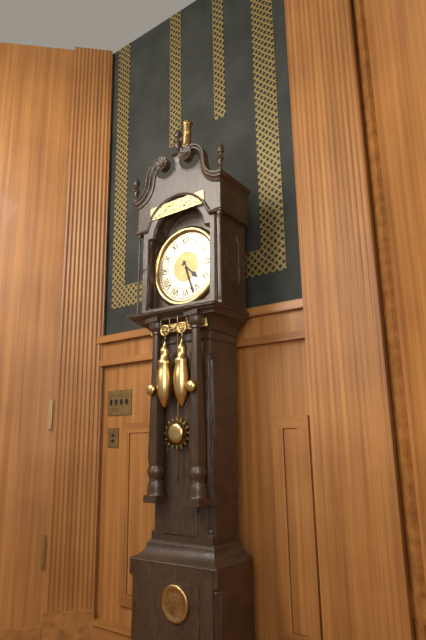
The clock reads 4.27
